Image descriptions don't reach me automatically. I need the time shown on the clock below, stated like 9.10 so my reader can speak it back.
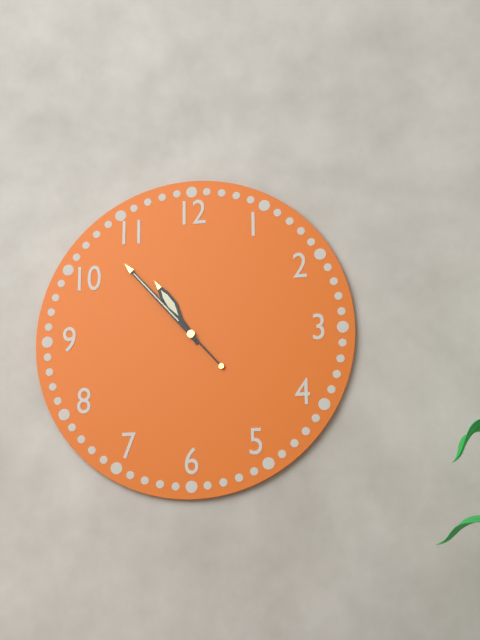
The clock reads 10.53
